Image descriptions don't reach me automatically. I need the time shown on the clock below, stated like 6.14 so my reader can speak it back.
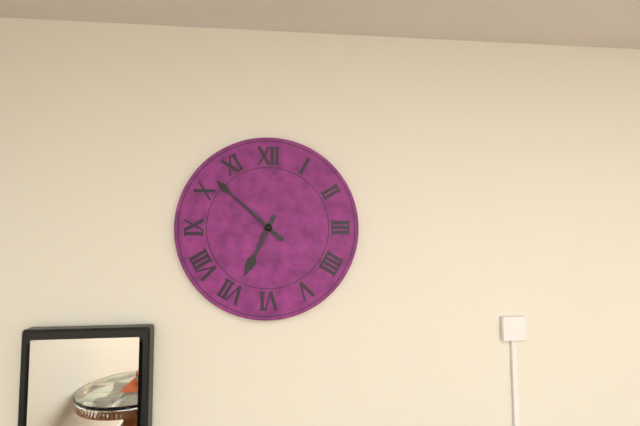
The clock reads 6.52
